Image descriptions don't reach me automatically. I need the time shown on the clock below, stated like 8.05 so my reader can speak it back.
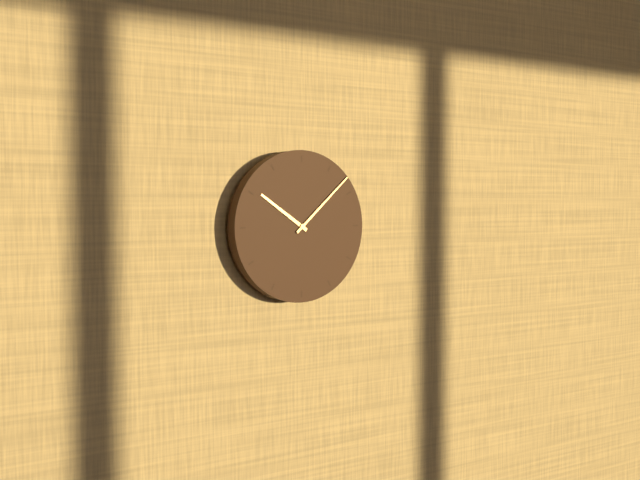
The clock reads 10.08
